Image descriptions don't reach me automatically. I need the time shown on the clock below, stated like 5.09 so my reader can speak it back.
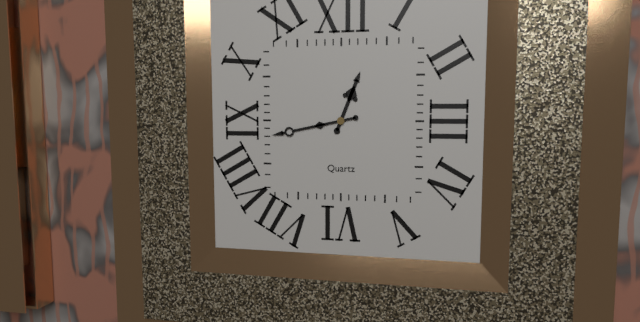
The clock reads 12.43
